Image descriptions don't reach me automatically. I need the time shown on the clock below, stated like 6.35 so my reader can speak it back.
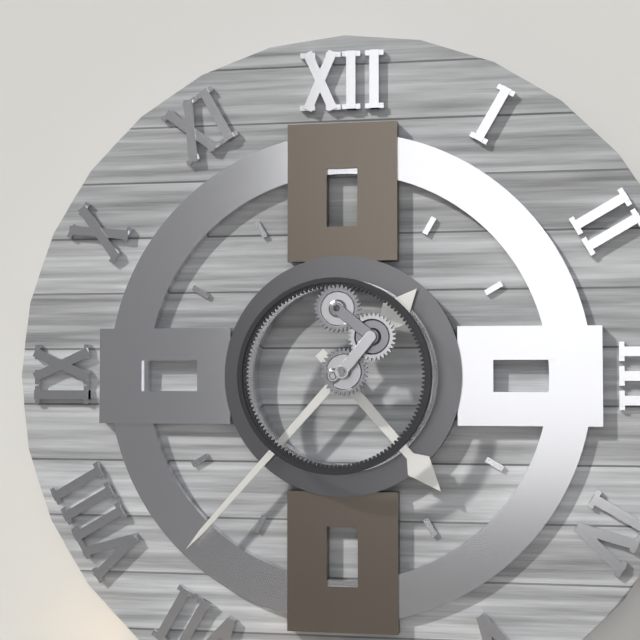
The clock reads 4.37
